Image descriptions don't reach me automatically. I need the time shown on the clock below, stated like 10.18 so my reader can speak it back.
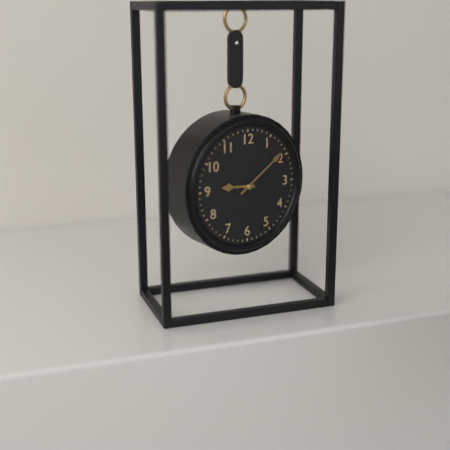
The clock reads 9.09
